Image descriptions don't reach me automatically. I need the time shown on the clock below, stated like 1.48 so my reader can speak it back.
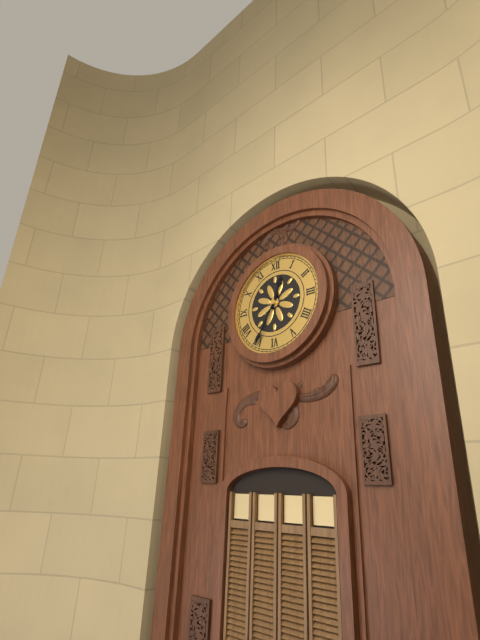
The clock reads 12.35
